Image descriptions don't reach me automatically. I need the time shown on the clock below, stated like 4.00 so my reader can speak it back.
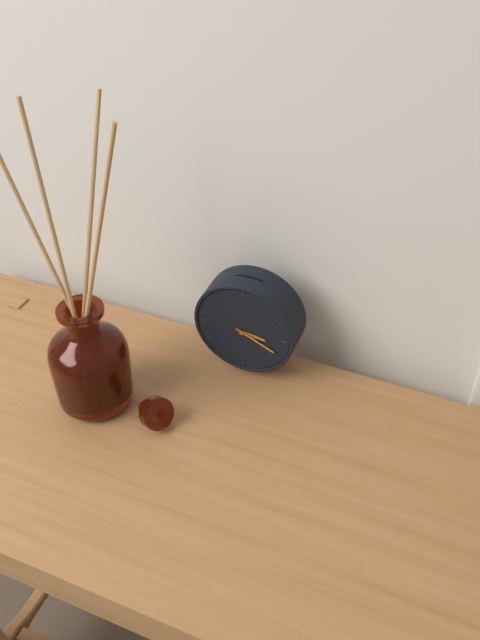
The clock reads 3.19
